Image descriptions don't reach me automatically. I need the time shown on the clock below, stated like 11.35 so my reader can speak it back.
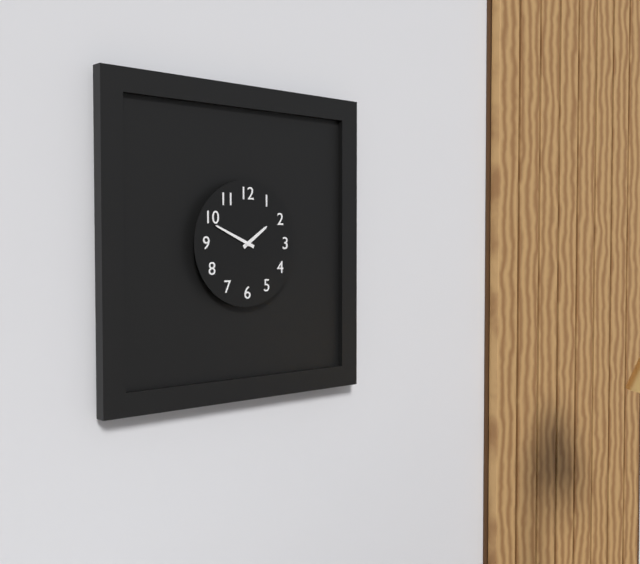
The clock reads 1.49
